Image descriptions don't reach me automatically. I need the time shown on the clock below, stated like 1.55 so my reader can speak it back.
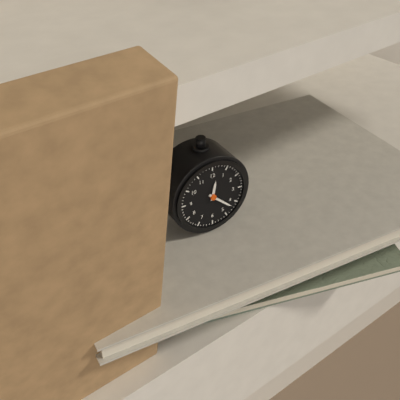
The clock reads 12.22
